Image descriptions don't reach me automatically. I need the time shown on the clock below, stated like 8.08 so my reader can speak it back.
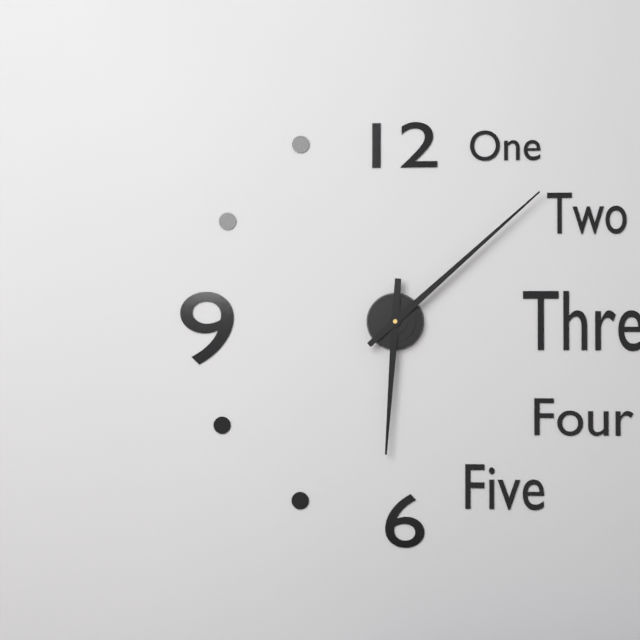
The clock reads 6.08
